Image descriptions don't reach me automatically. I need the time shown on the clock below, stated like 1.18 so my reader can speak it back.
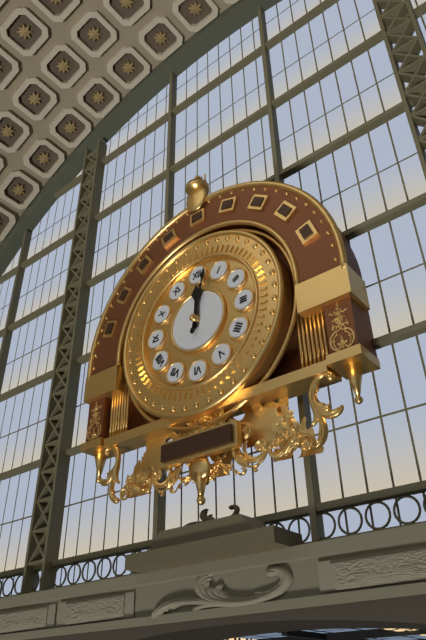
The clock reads 12.02
